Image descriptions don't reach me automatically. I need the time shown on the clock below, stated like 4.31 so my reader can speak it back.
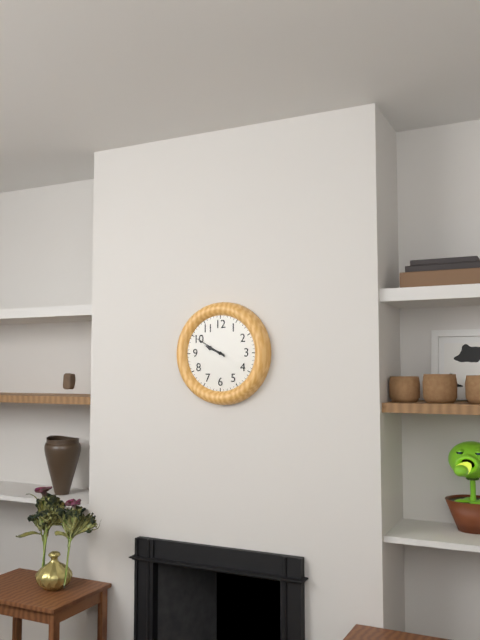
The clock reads 9.50
